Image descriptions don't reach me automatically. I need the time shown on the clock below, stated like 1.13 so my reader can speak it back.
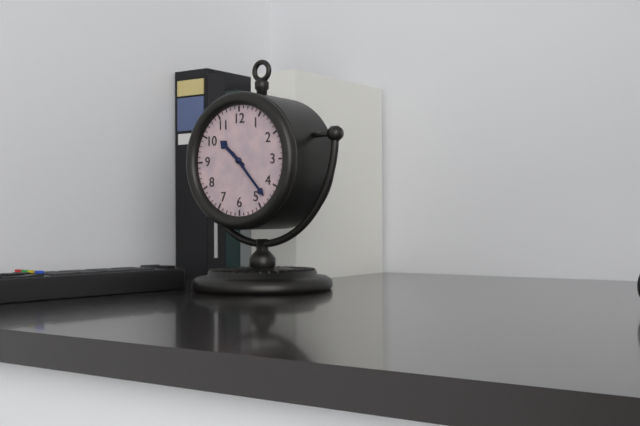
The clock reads 10.23
